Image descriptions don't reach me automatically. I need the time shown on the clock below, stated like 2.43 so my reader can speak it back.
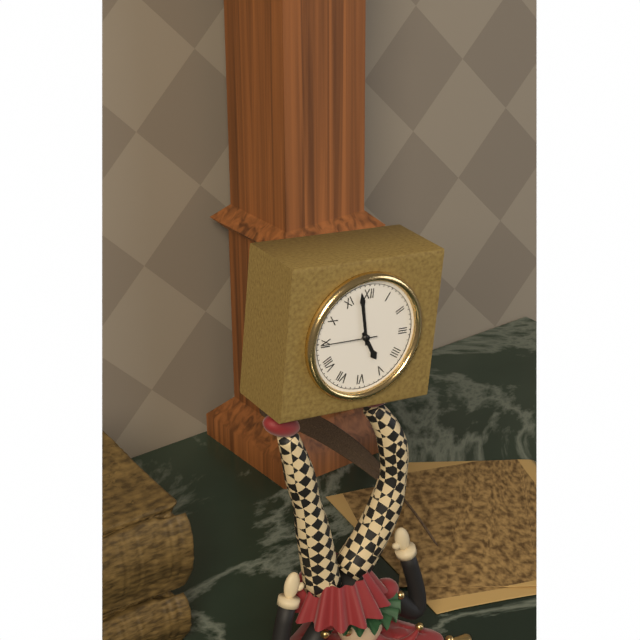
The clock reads 4.58
